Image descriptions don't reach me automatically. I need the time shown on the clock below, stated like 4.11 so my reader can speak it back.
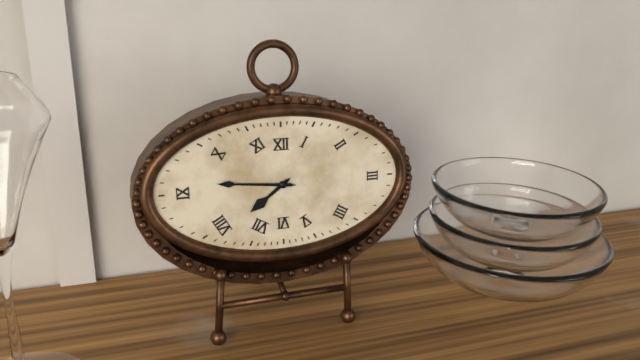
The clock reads 7.46
